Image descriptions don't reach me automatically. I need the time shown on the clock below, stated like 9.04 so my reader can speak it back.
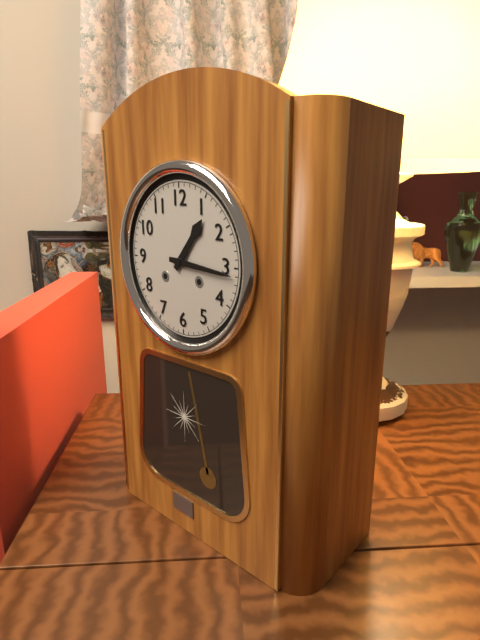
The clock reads 1.16
